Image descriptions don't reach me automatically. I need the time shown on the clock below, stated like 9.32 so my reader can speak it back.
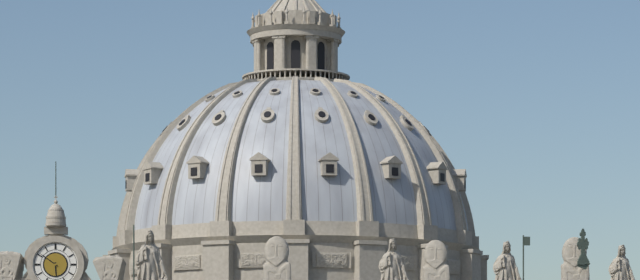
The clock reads 5.51
